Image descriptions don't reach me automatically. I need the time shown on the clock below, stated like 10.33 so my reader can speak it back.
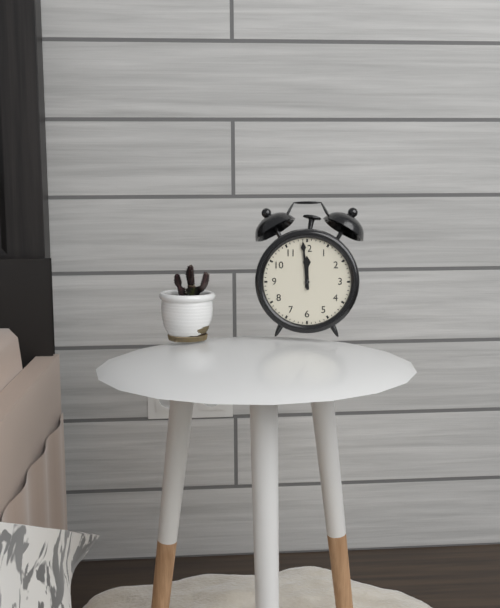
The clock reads 11.59
